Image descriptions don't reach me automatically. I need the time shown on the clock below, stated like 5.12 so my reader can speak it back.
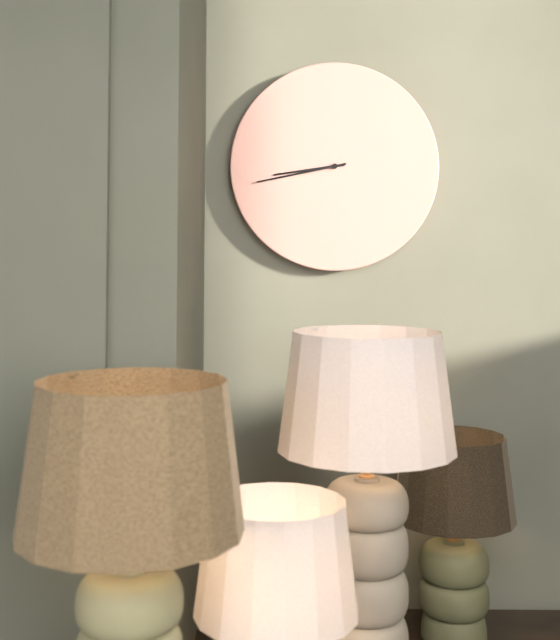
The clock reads 8.43
